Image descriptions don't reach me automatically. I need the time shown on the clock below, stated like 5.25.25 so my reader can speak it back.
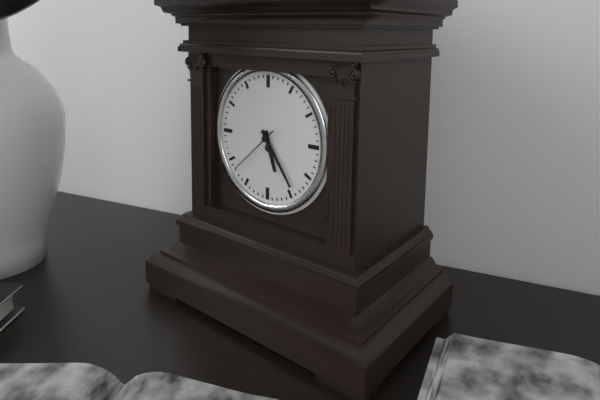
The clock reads 5.24.38
